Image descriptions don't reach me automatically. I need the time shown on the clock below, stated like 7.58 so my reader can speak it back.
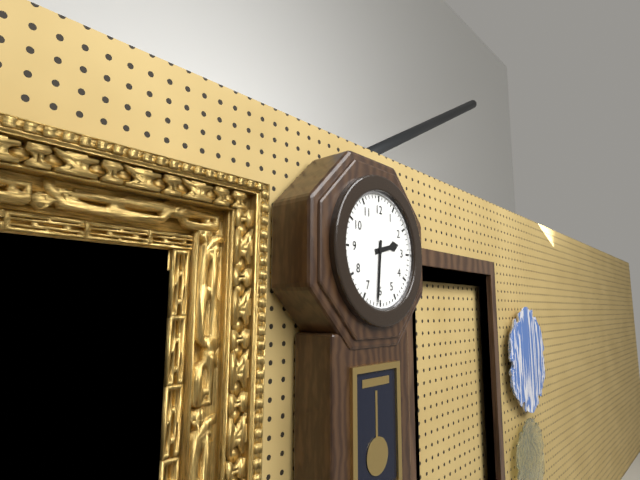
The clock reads 2.31
